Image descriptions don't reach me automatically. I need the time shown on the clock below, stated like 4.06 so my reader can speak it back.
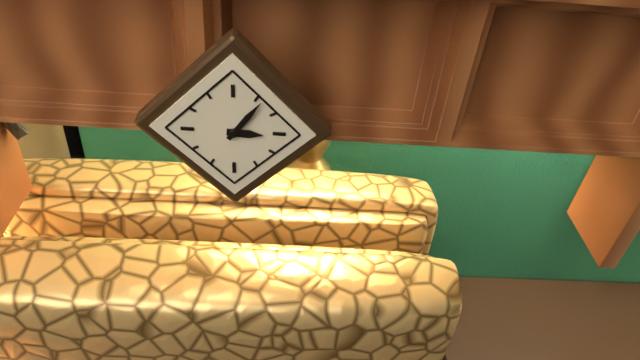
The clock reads 3.06
